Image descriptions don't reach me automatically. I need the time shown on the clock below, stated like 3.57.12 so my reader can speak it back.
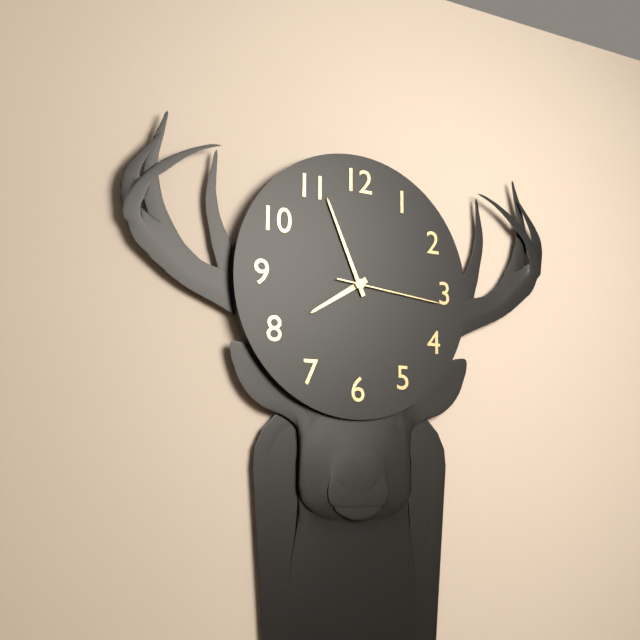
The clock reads 7.56.16
